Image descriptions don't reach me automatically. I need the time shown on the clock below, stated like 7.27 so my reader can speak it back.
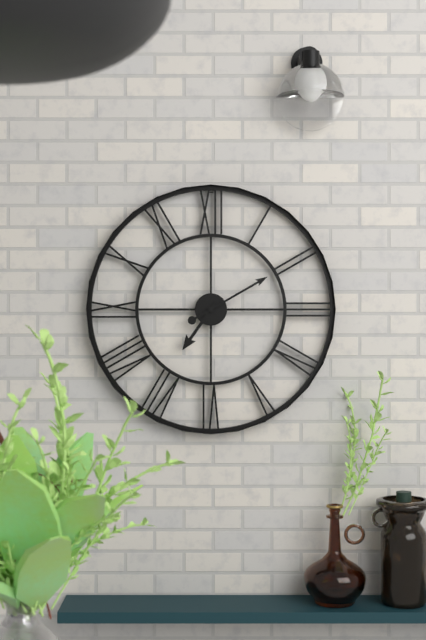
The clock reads 7.10
